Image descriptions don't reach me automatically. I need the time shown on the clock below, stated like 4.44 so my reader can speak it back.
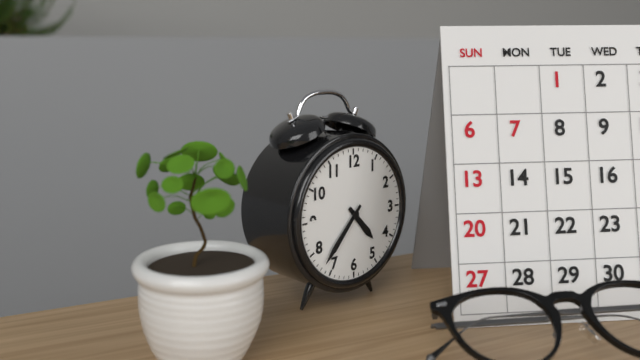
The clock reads 4.37
